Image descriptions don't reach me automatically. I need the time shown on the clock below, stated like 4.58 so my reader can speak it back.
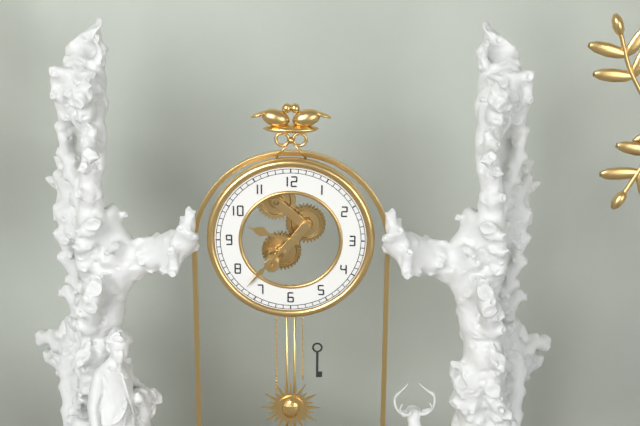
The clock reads 9.37
